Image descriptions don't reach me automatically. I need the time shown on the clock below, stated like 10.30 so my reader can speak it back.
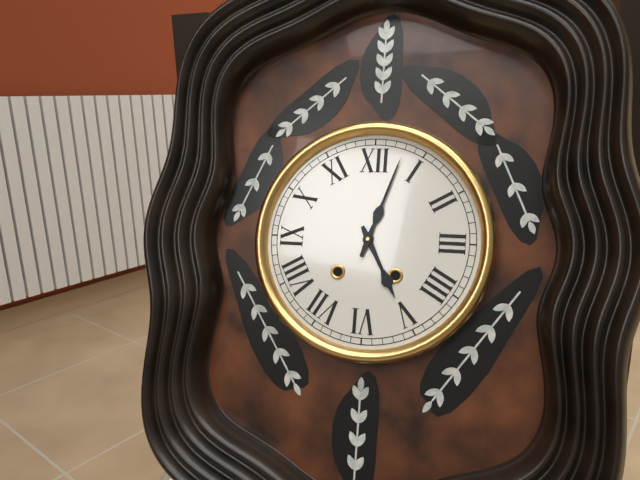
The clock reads 5.03
